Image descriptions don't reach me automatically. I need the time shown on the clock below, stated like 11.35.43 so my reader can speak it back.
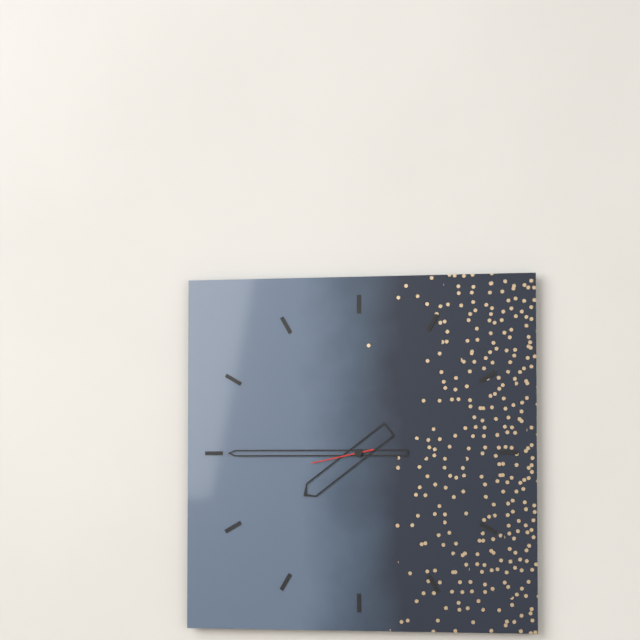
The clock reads 7.45.43
